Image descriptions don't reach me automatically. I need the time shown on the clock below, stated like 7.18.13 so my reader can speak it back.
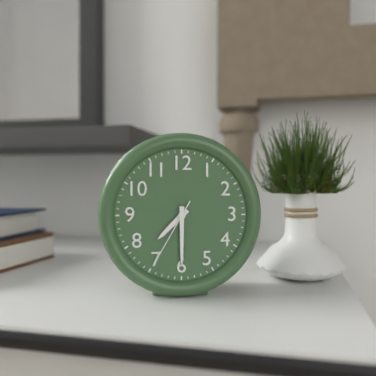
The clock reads 7.30.35
